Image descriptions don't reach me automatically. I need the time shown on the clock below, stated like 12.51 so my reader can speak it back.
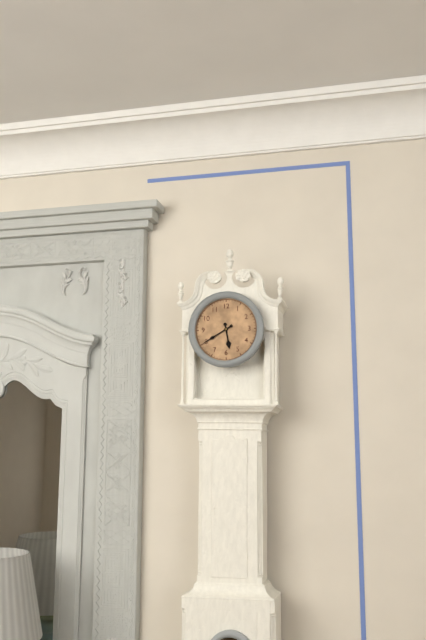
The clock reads 5.40
